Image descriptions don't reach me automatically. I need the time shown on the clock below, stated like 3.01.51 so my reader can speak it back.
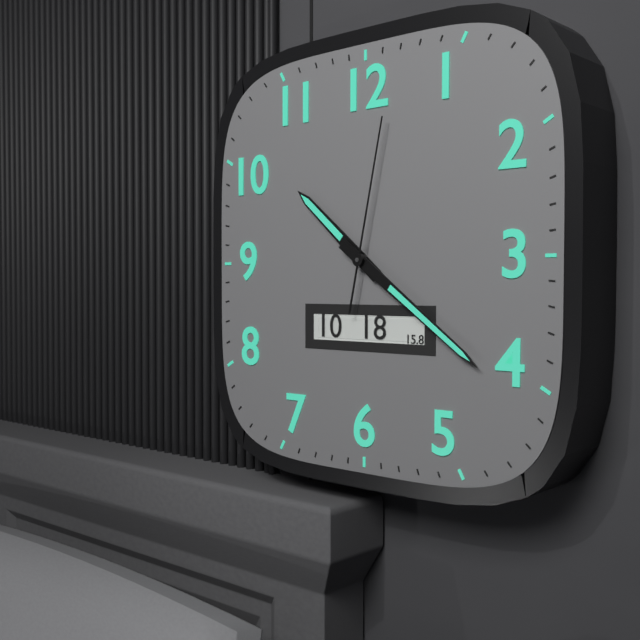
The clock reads 10.21.02
